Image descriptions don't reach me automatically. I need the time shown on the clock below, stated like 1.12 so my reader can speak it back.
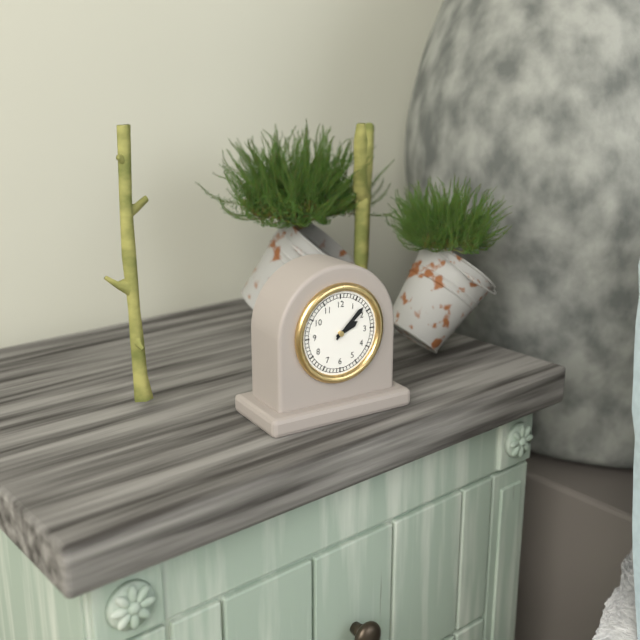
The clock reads 2.08
